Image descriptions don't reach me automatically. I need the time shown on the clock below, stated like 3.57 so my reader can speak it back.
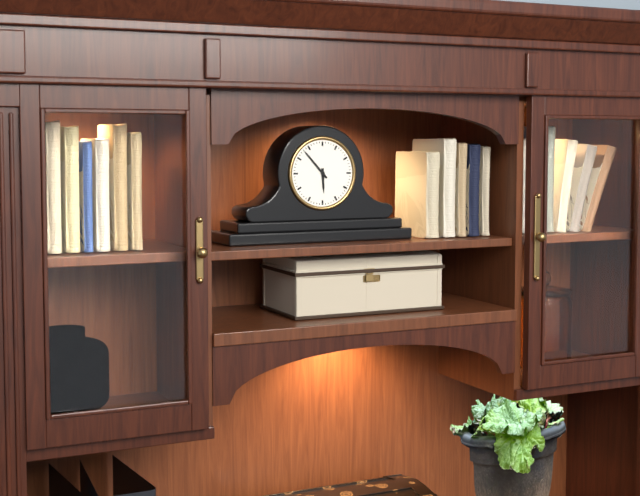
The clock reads 5.53
